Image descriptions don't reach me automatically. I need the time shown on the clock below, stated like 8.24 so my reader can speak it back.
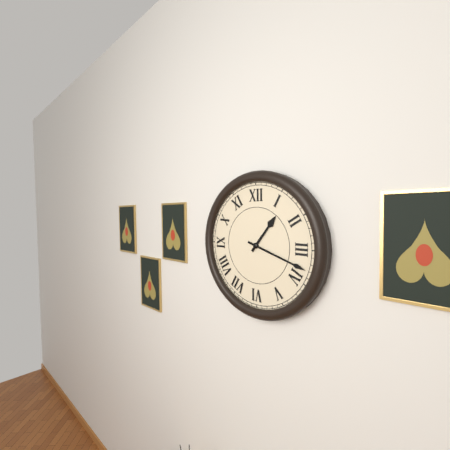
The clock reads 1.18
